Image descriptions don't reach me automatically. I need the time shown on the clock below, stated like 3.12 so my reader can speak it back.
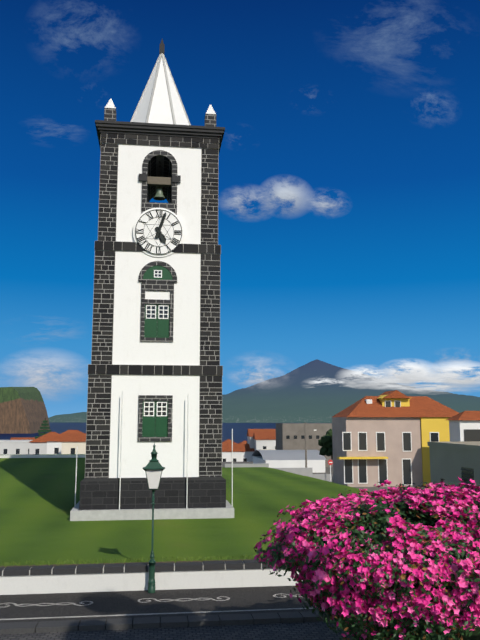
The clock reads 5.03
